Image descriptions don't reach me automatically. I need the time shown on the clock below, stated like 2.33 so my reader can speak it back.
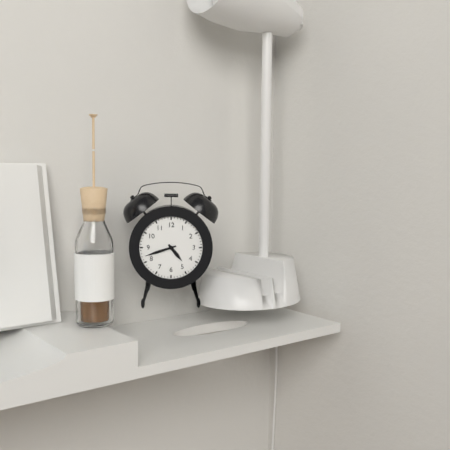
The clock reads 4.42
